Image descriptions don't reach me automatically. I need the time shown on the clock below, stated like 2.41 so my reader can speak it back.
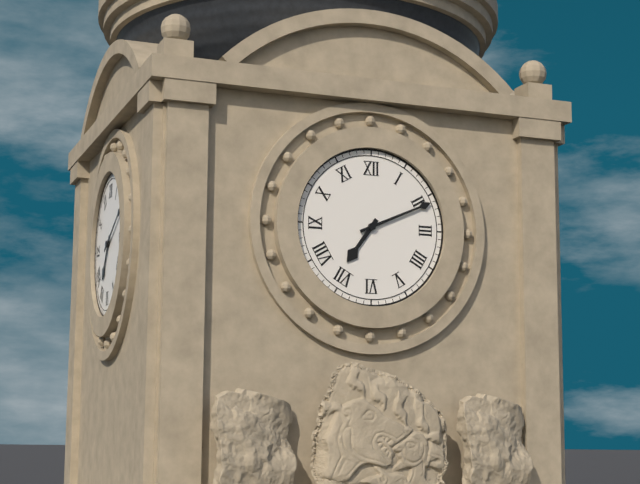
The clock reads 7.11
